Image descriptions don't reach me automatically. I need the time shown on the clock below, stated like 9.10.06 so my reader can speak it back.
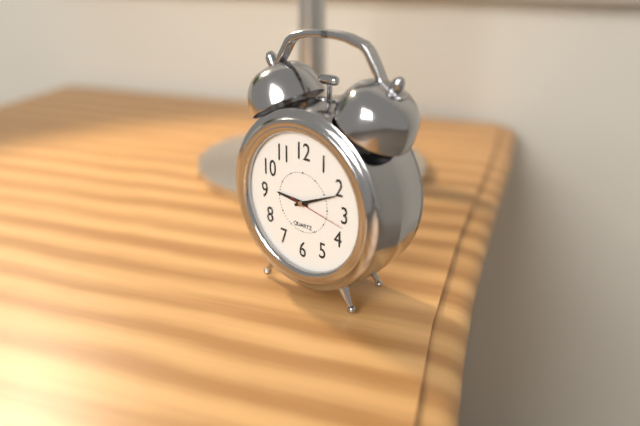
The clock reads 9.11.17
